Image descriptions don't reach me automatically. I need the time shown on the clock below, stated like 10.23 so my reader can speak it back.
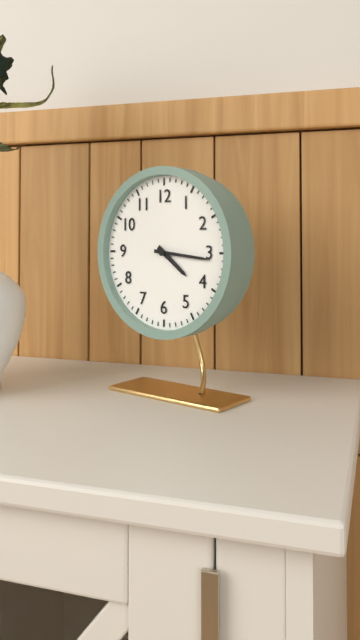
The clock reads 4.16
